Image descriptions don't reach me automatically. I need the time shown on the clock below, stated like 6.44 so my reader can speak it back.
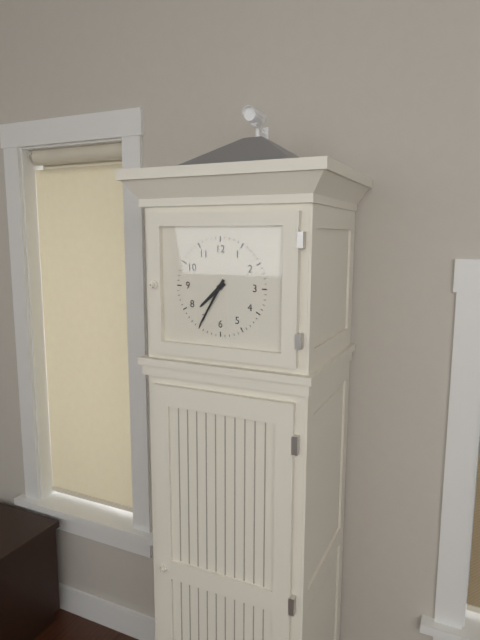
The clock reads 7.35
